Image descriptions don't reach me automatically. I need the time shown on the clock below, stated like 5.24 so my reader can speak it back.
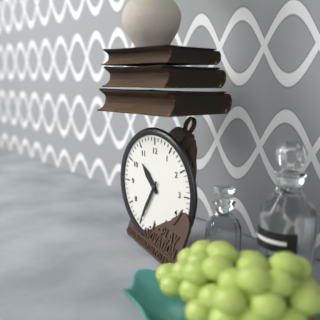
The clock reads 10.35
